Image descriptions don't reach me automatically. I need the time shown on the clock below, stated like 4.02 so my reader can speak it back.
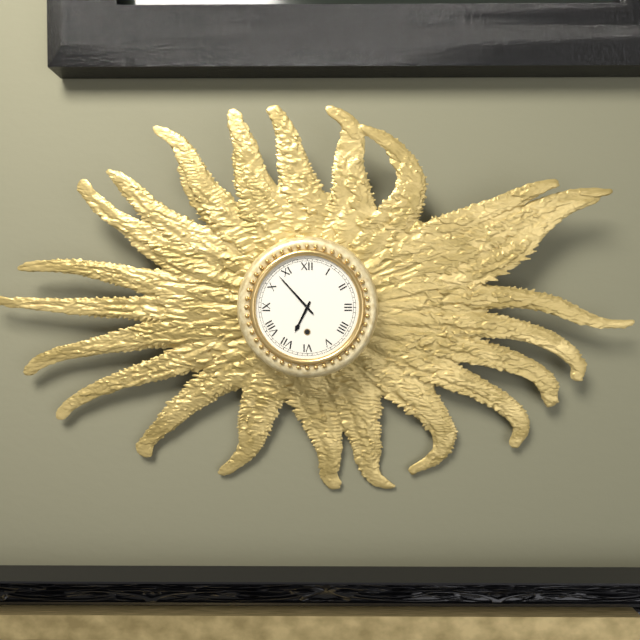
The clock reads 6.53
